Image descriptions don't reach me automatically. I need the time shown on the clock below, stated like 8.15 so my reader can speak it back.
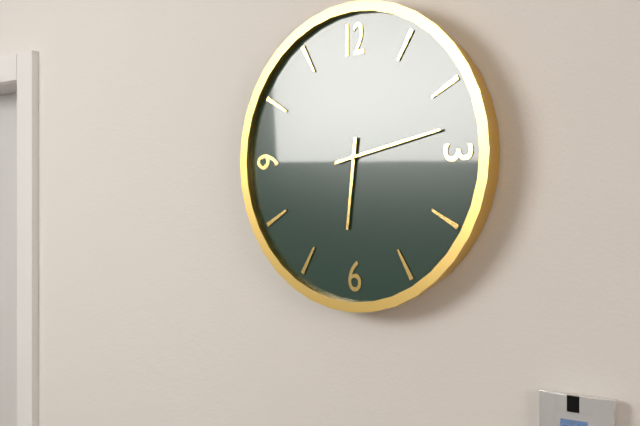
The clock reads 6.13
